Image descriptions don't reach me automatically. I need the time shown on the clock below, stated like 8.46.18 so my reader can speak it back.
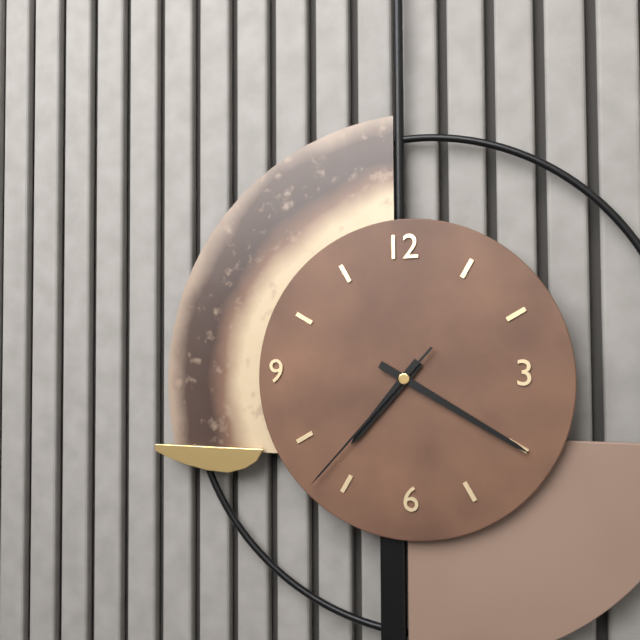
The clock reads 7.20.37
